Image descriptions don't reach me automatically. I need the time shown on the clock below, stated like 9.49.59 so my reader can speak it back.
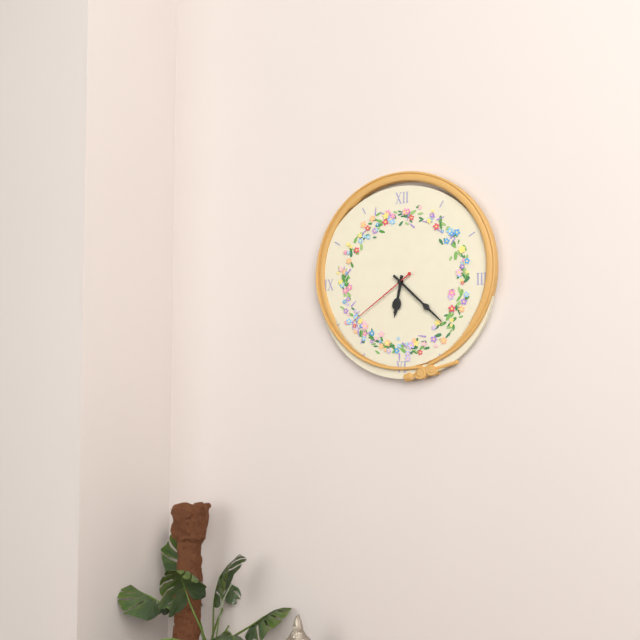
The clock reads 6.22.39
